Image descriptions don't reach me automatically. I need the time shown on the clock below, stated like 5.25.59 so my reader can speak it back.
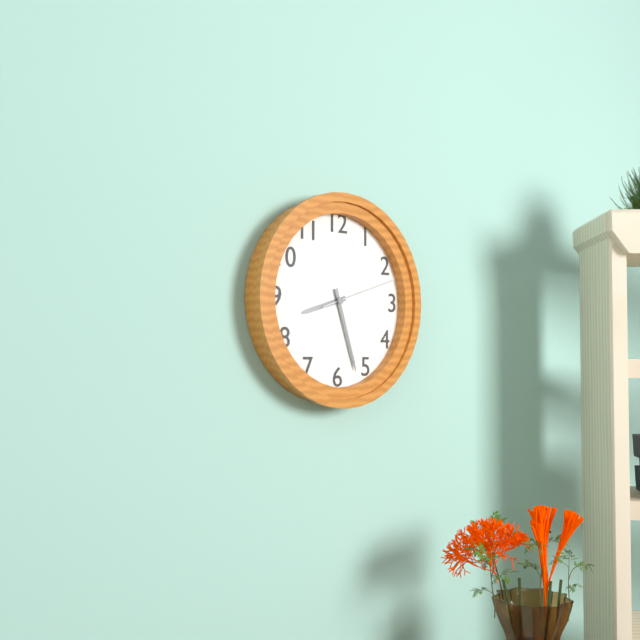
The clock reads 8.27.12
